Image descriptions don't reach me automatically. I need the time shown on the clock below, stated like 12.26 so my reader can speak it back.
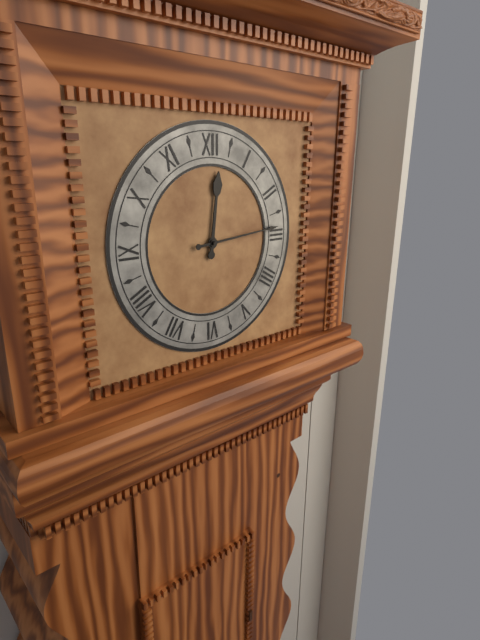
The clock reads 12.14
